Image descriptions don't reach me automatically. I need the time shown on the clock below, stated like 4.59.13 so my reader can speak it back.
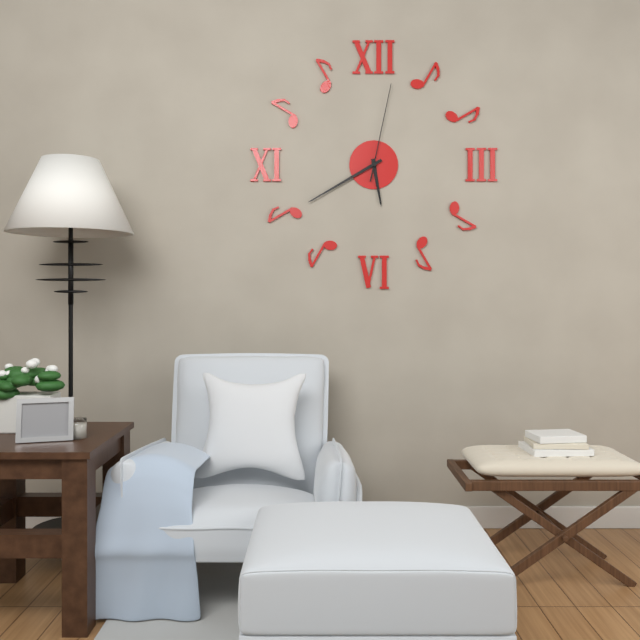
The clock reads 5.40.02
